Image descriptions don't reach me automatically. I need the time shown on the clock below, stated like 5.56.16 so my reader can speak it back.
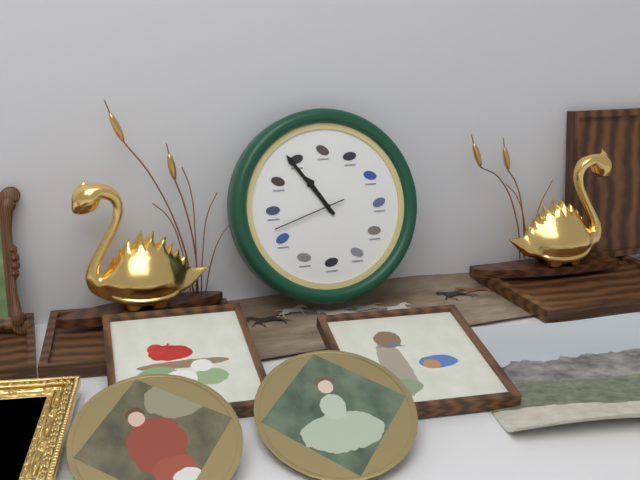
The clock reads 10.54.42
